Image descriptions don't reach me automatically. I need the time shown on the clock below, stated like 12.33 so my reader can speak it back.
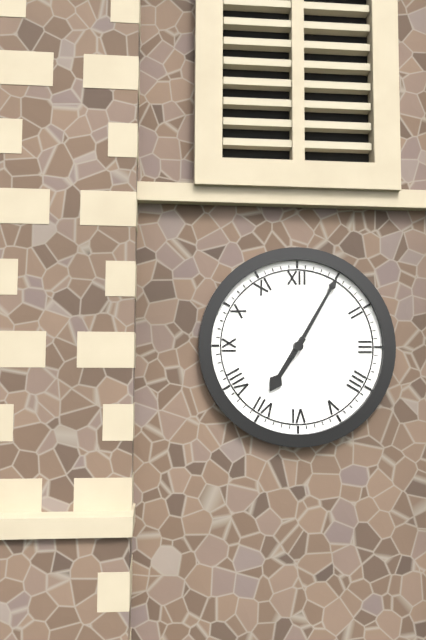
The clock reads 7.05
